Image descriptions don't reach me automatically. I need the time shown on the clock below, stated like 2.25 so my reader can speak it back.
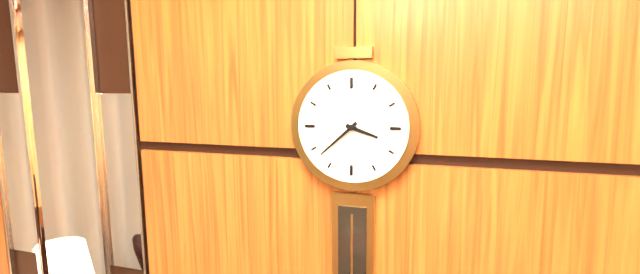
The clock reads 3.38
